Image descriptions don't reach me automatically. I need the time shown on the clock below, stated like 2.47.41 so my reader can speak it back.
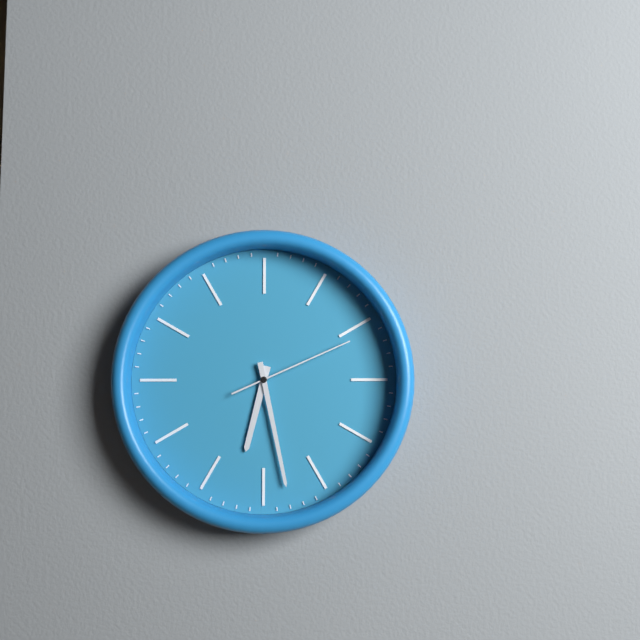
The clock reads 6.28.11
